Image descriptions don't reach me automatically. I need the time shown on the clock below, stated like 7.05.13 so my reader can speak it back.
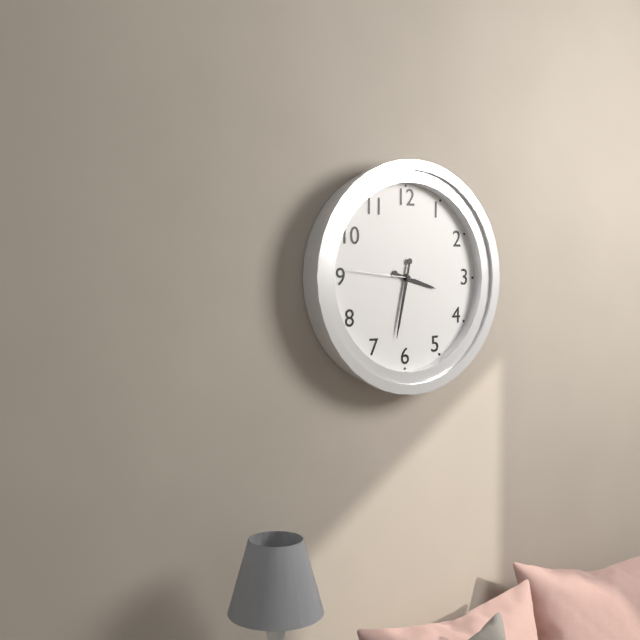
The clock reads 3.32.46
